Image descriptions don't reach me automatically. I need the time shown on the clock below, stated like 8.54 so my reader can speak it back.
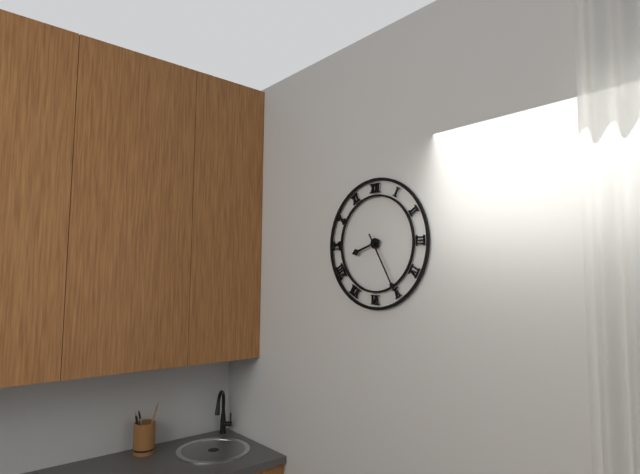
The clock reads 8.25
